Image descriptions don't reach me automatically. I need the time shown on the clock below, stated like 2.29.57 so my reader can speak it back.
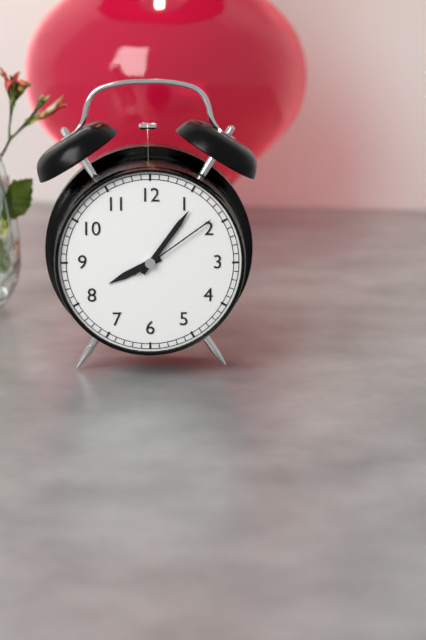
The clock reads 8.06.09
